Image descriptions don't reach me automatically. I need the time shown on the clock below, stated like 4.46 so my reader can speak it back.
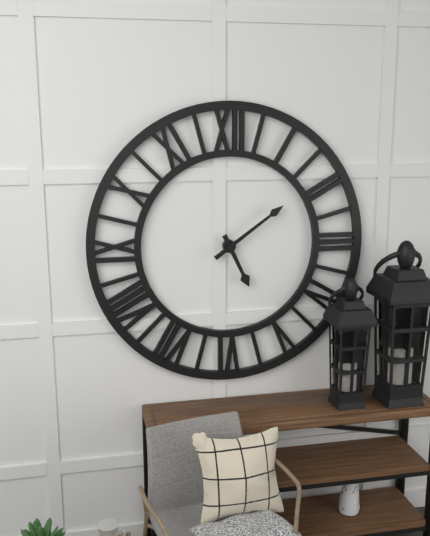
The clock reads 5.09
